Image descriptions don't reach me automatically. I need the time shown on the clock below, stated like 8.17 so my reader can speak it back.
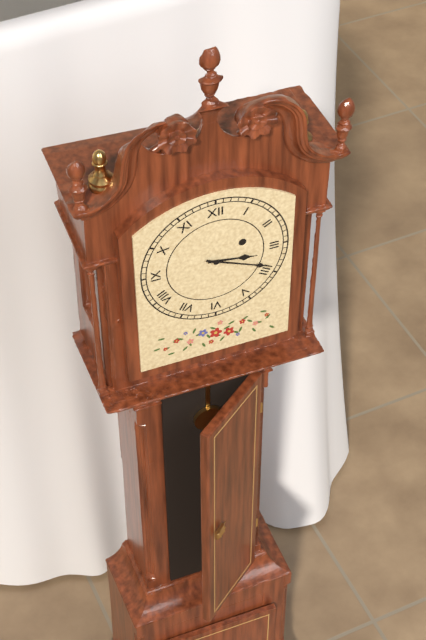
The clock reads 3.19
